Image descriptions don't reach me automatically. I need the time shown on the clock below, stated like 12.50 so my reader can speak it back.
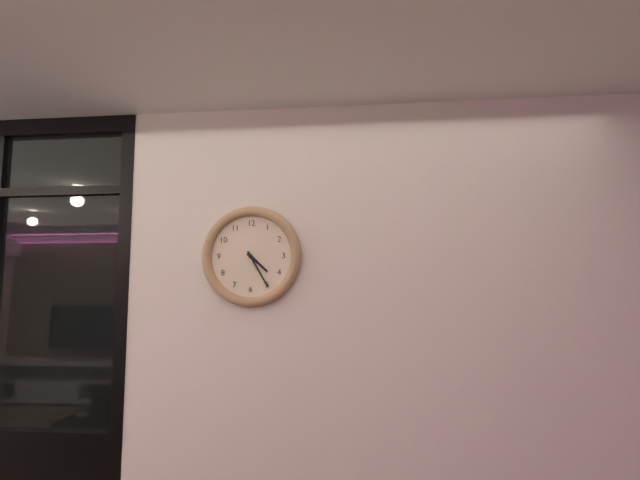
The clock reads 4.25
